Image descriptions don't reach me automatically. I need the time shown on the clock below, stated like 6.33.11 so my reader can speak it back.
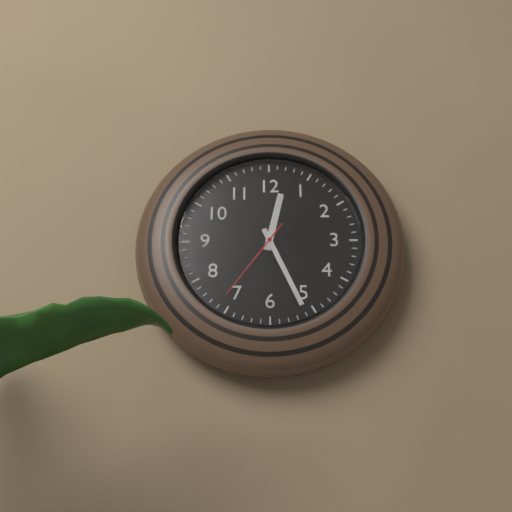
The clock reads 12.26.36
